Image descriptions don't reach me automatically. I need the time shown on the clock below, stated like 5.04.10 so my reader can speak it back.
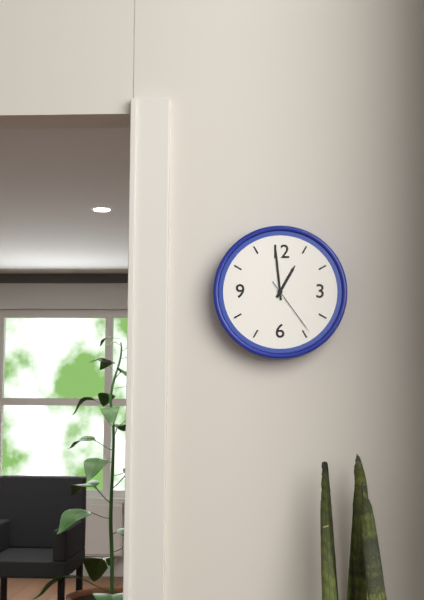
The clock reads 12.59.24
